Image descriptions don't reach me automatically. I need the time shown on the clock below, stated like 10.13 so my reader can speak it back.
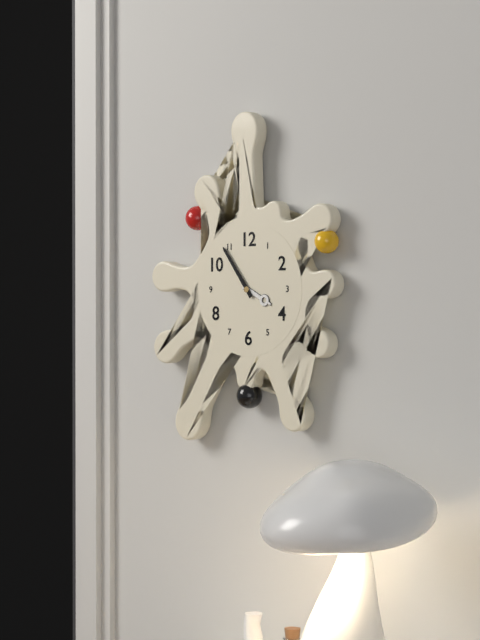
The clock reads 3.54
